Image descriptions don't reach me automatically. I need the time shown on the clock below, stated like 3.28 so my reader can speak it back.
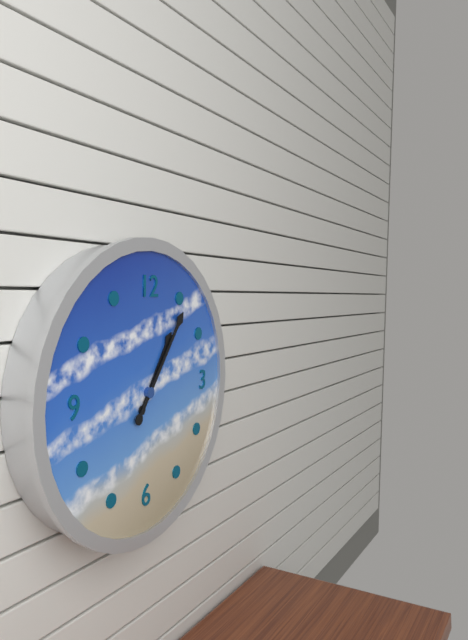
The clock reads 1.06
